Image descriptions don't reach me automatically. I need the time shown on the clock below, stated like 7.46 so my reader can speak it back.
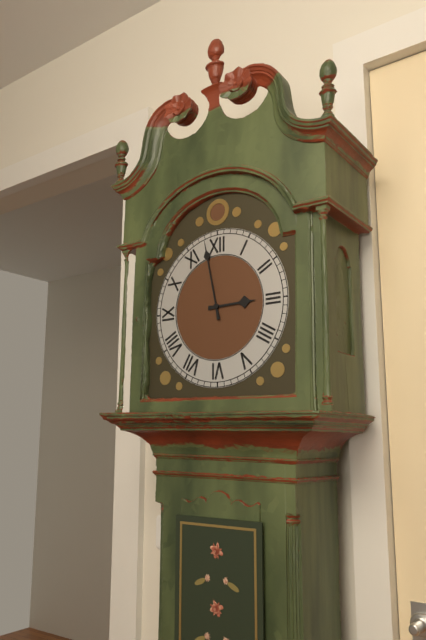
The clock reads 2.58
